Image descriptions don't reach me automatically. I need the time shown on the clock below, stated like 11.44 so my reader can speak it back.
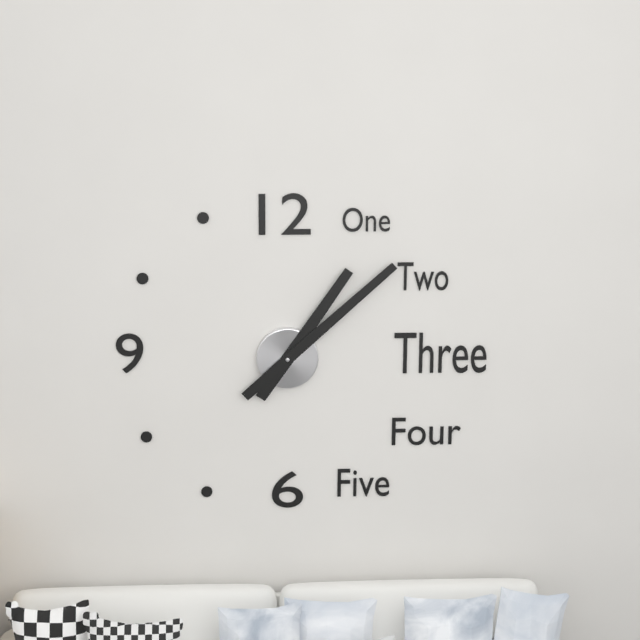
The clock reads 1.08
